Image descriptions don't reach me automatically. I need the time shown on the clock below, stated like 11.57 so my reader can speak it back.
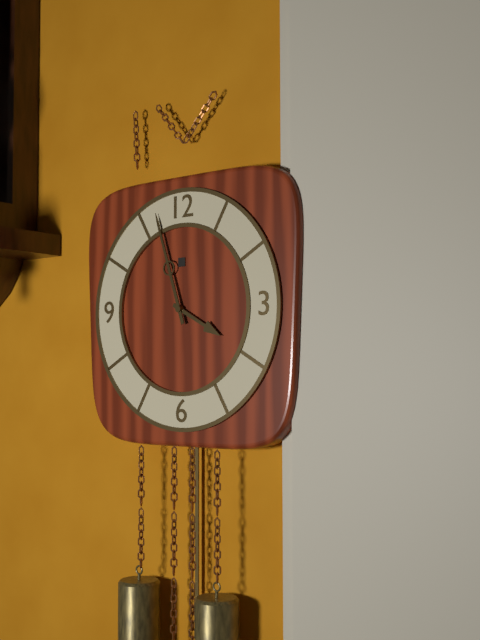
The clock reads 3.57
